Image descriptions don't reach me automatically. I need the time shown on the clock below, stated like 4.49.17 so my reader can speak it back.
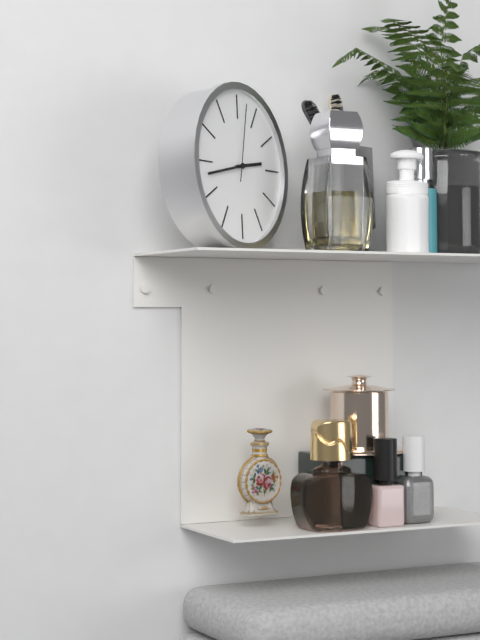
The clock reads 2.43.02
